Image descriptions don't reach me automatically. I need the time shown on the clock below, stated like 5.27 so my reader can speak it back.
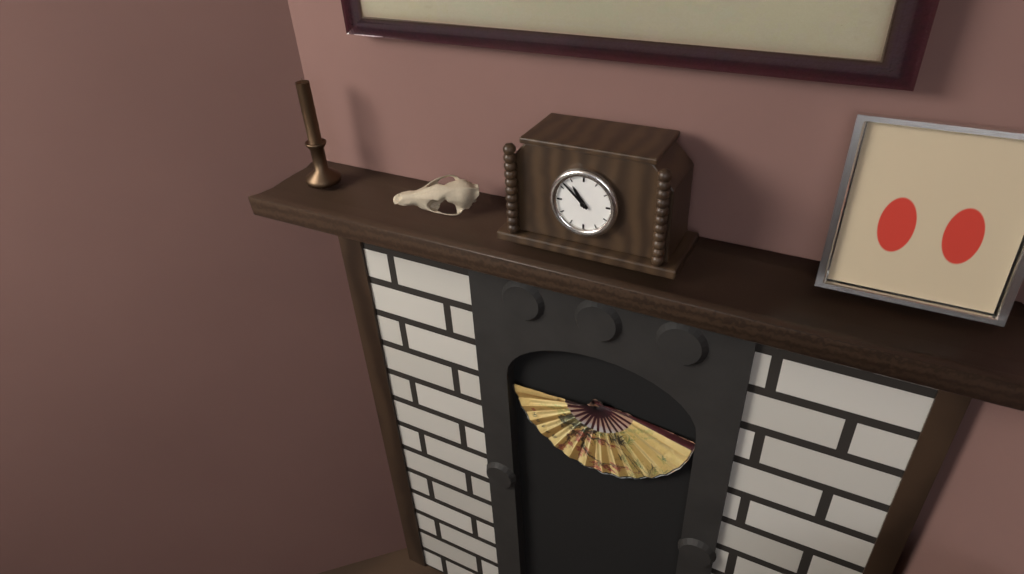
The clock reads 10.52
